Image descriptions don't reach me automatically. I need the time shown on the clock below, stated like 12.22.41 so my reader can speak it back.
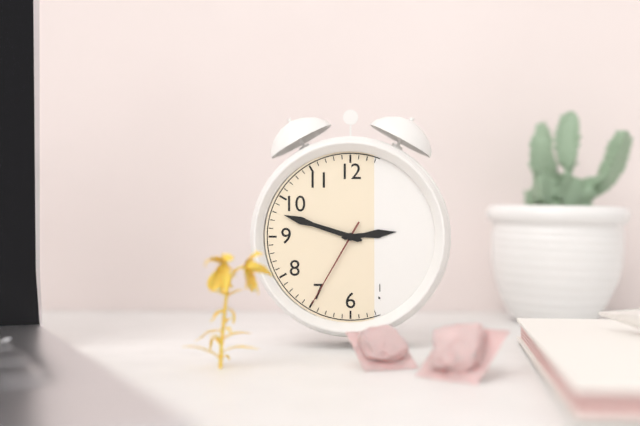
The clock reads 2.48.35
